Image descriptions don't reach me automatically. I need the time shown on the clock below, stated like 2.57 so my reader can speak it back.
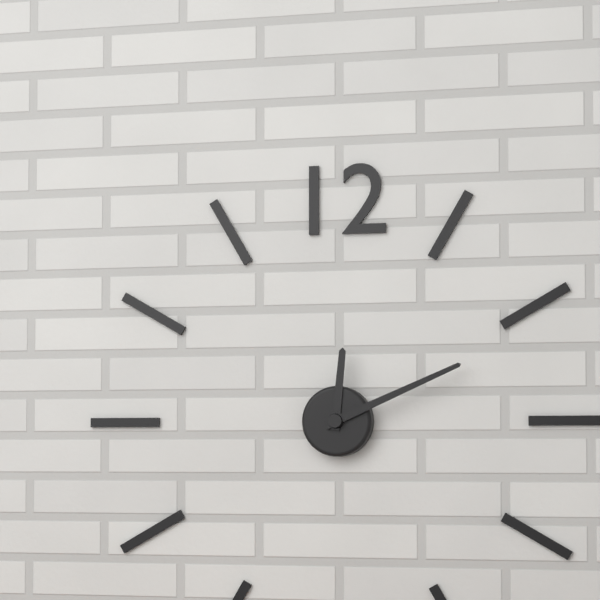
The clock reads 12.11
